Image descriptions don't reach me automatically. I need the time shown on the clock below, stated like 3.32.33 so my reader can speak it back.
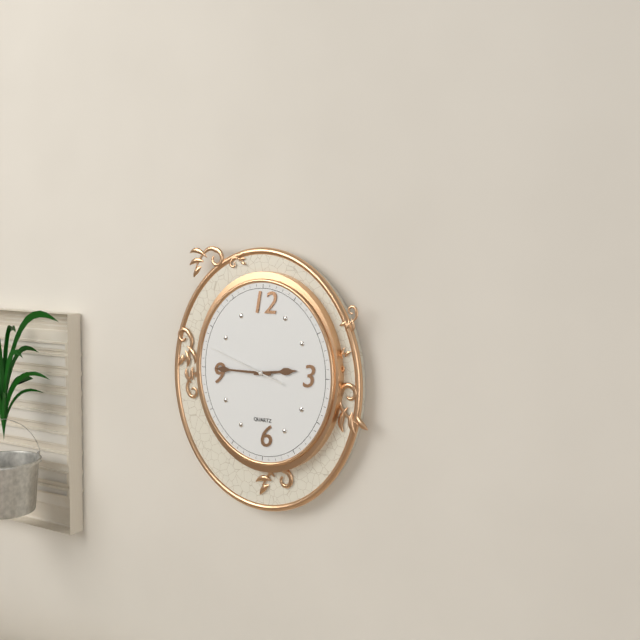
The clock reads 2.45.48
